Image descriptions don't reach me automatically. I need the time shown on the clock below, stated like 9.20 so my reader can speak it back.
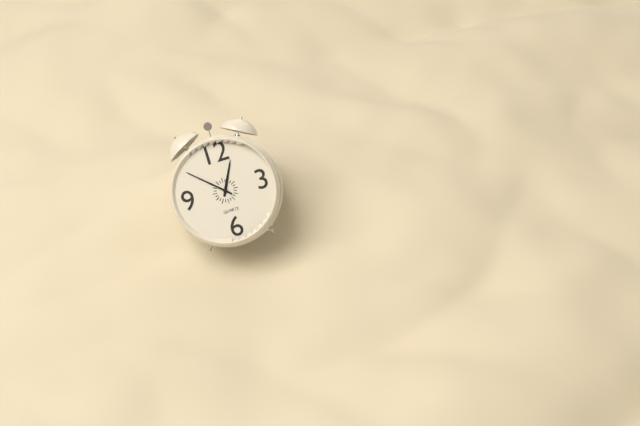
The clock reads 12.52
